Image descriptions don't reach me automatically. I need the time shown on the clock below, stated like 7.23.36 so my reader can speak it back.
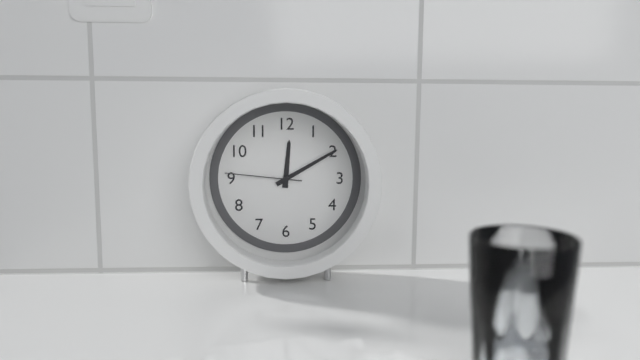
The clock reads 12.10.46
